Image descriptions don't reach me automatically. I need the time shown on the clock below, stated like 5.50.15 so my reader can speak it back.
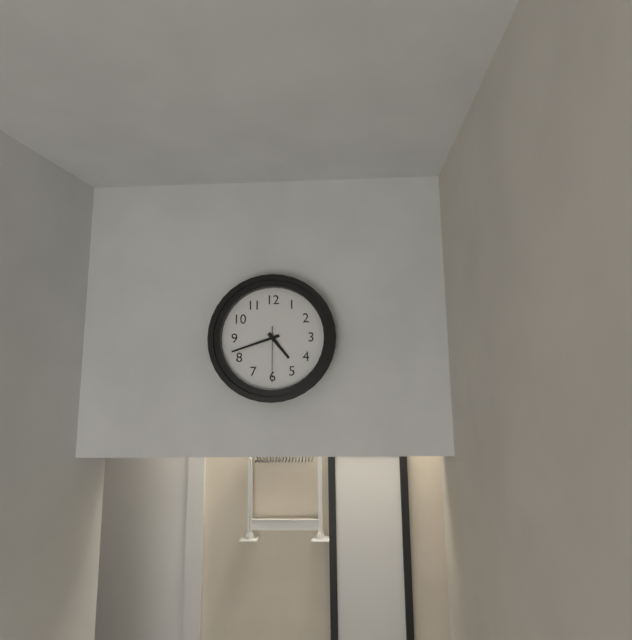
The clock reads 4.42.30
